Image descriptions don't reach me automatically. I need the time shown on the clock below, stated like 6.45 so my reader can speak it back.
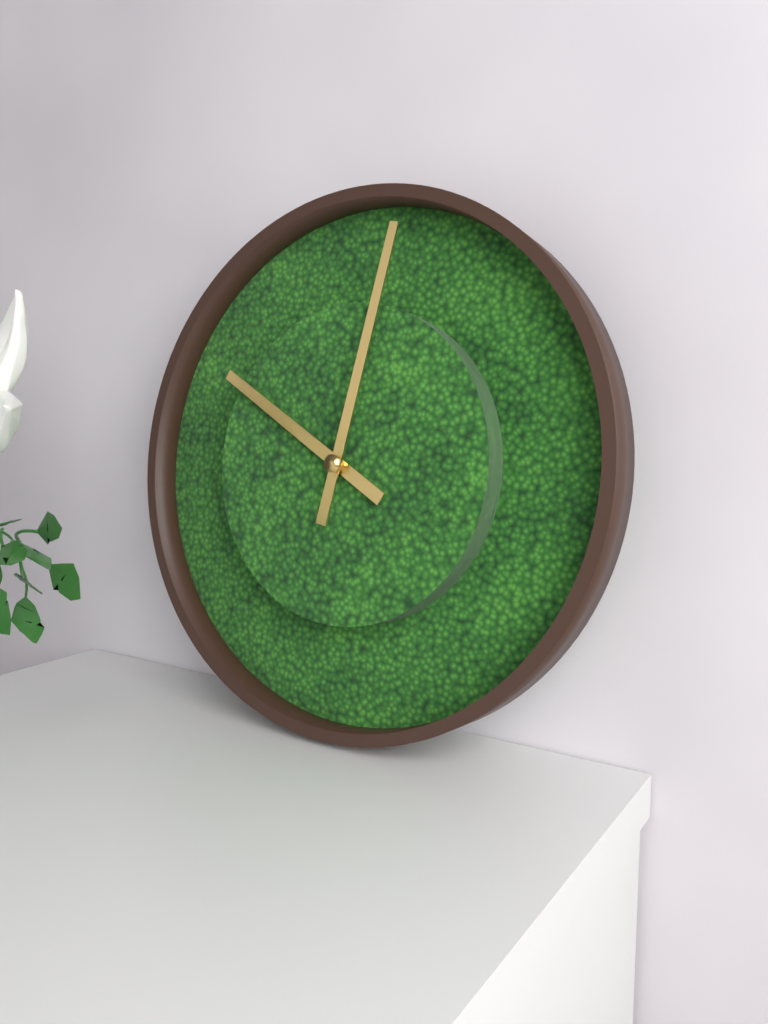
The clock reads 10.02
